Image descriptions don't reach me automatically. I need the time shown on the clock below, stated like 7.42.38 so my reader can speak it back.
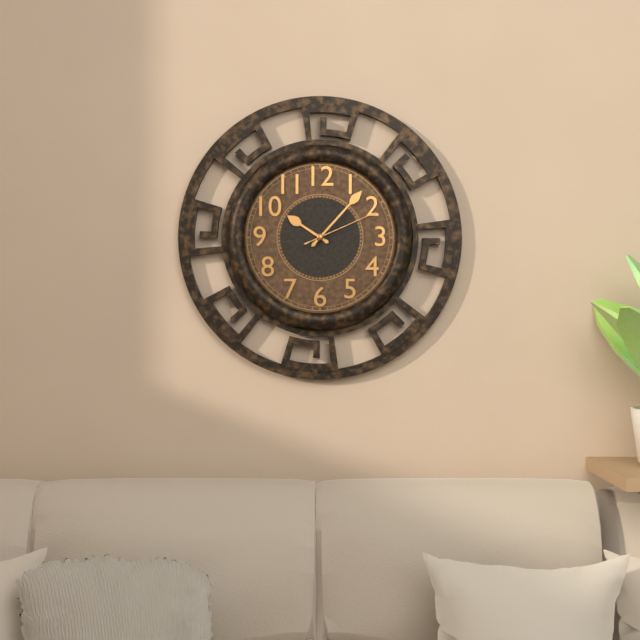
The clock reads 10.07.11
